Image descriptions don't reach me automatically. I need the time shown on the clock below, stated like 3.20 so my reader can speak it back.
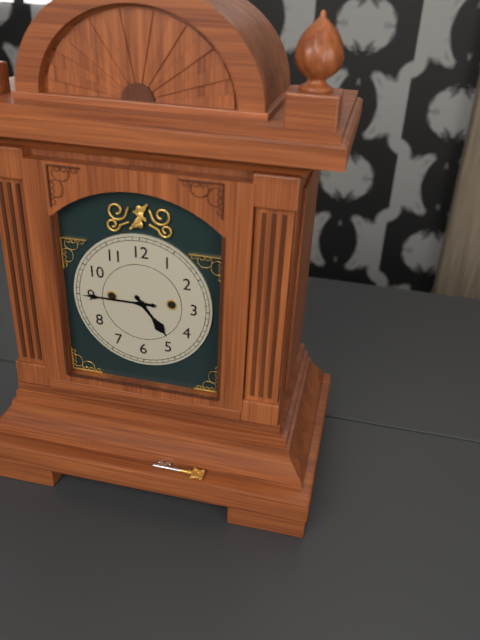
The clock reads 4.45
